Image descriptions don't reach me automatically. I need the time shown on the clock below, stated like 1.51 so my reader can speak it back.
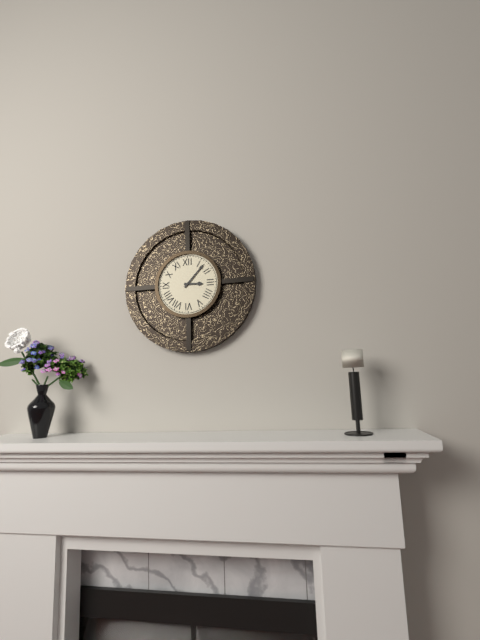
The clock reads 3.07
